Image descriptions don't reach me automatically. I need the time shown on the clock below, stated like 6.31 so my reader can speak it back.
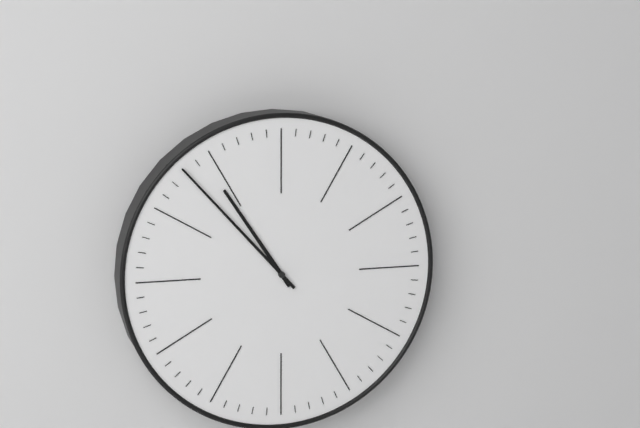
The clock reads 10.53
